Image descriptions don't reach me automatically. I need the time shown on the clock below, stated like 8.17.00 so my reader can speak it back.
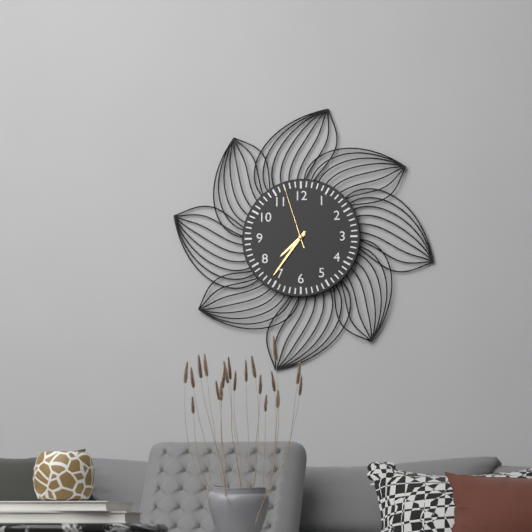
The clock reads 7.36.57
